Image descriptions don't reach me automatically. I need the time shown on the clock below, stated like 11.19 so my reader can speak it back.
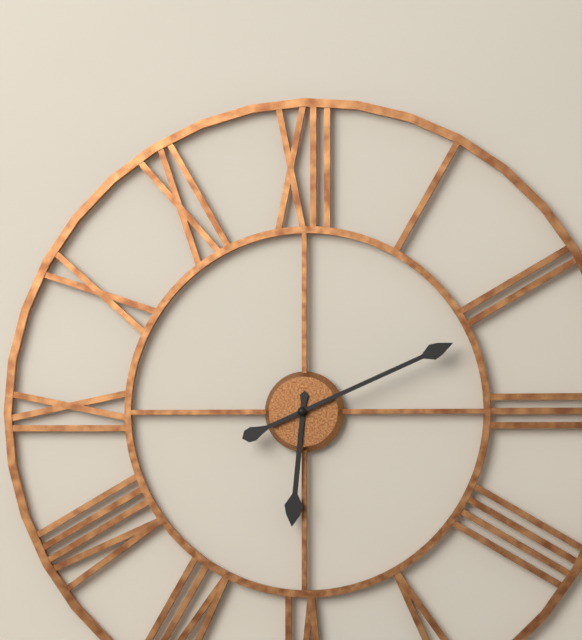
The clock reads 6.11
